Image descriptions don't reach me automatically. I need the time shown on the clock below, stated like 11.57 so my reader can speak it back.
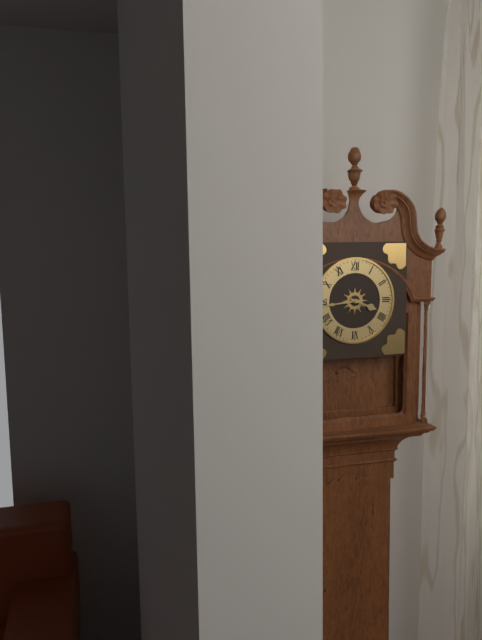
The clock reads 3.44
